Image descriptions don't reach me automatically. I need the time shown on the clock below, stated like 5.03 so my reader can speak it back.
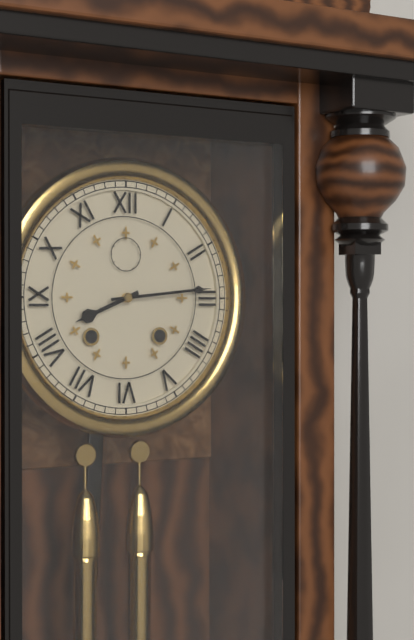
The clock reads 8.14
